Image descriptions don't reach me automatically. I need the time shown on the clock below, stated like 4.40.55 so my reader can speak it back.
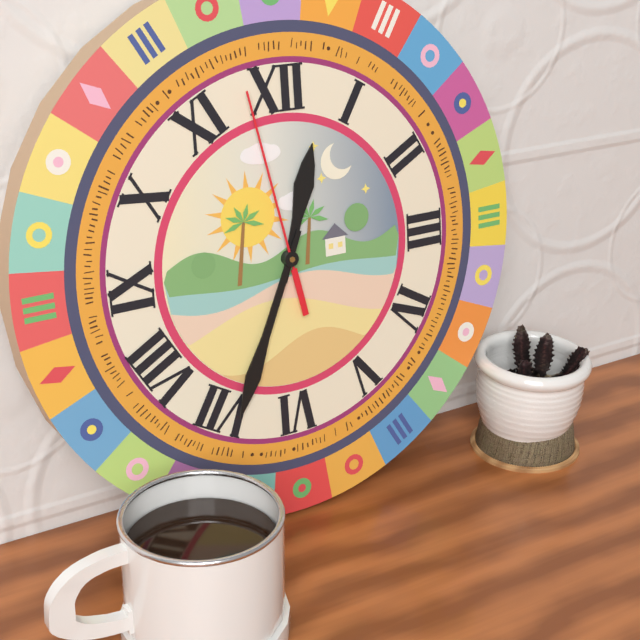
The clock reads 12.34.58
